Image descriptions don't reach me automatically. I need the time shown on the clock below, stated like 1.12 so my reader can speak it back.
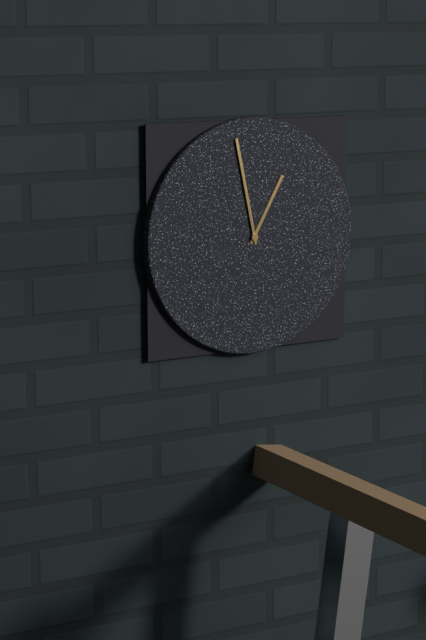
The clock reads 12.58
